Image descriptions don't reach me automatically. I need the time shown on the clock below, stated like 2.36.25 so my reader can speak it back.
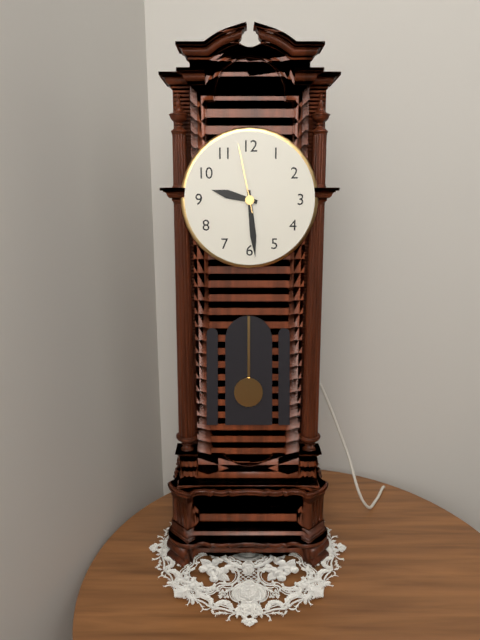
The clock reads 9.29.58
